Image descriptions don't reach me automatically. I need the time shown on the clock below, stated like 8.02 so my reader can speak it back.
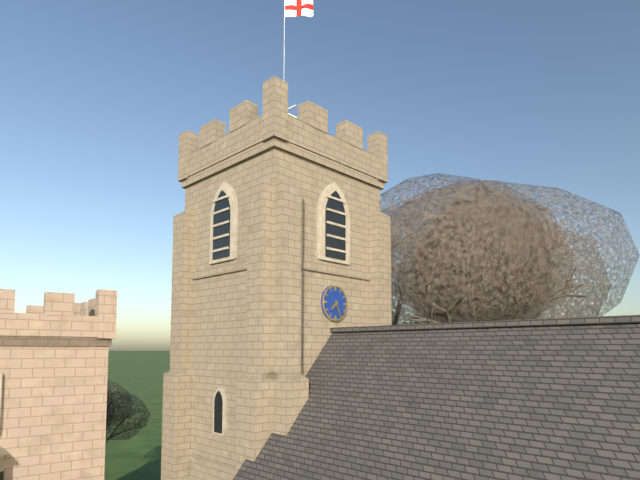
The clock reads 7.26
